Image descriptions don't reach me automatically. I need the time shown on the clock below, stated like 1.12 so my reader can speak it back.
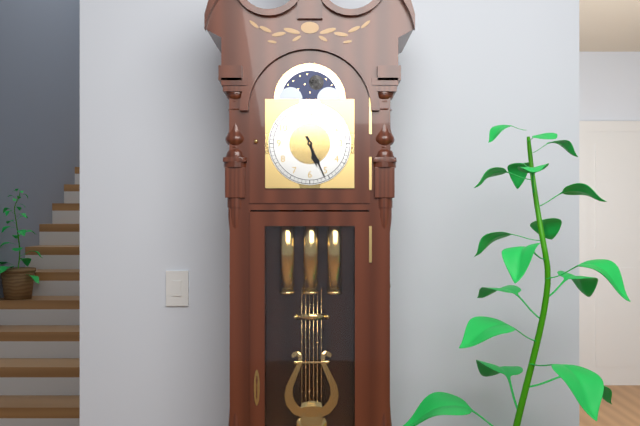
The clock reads 5.26
